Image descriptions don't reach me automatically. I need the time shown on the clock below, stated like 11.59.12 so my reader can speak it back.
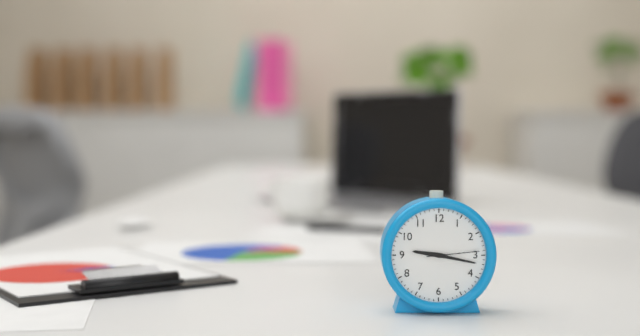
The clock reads 9.17.14
